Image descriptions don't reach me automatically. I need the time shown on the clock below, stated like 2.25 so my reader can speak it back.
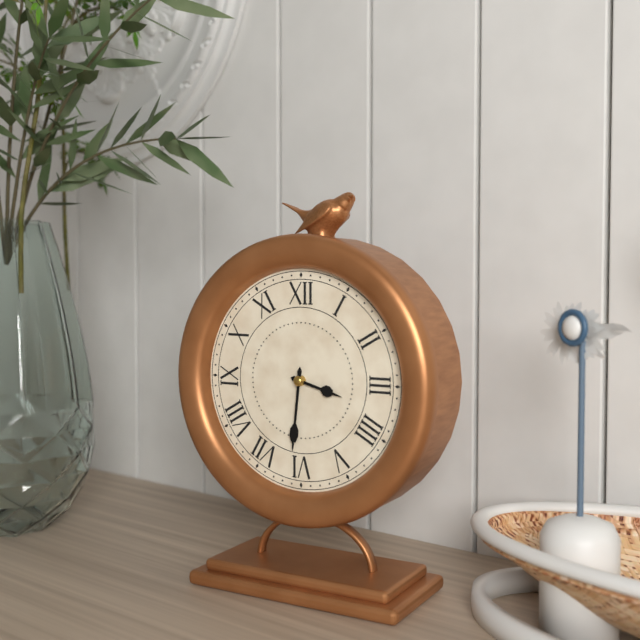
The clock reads 3.31
